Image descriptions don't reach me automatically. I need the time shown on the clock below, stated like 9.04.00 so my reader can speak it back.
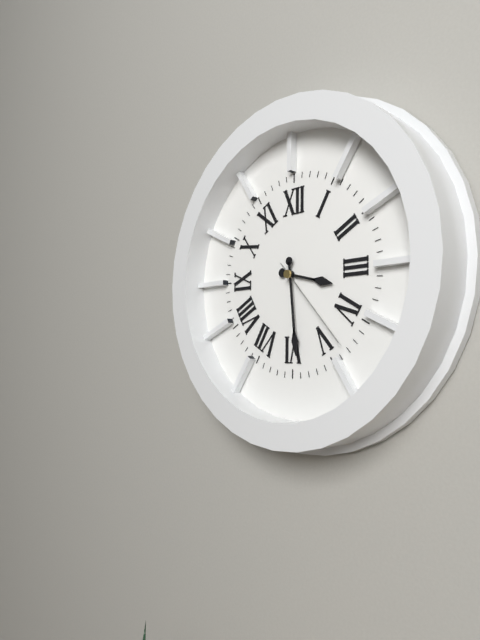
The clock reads 3.29.23
